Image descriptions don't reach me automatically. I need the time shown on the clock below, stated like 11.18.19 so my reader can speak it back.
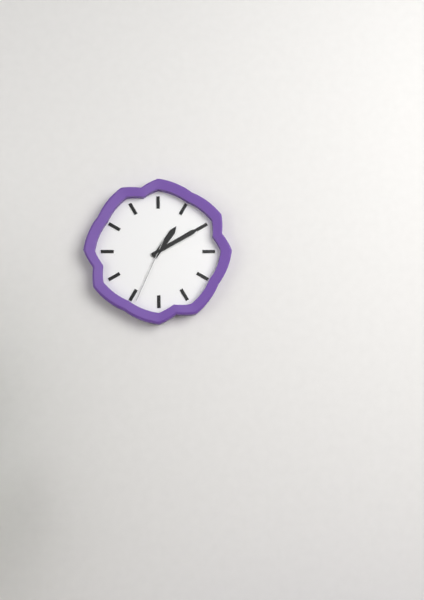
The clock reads 1.10.34
